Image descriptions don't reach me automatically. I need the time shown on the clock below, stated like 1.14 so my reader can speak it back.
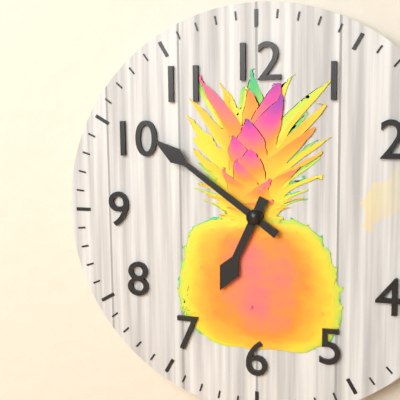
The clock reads 6.51
